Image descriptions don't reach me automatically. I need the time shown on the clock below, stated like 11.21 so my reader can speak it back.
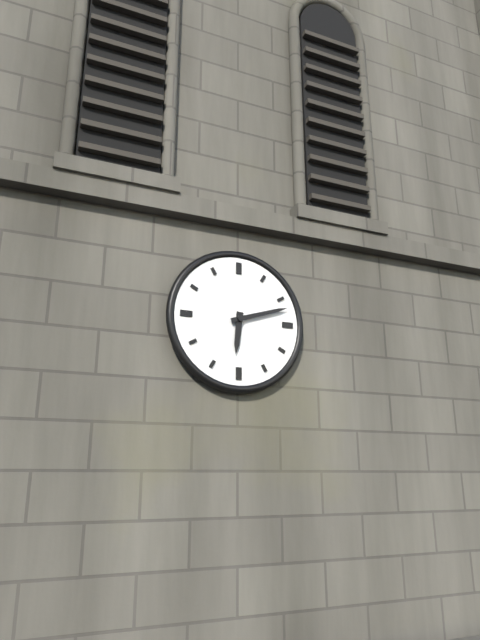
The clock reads 6.12
